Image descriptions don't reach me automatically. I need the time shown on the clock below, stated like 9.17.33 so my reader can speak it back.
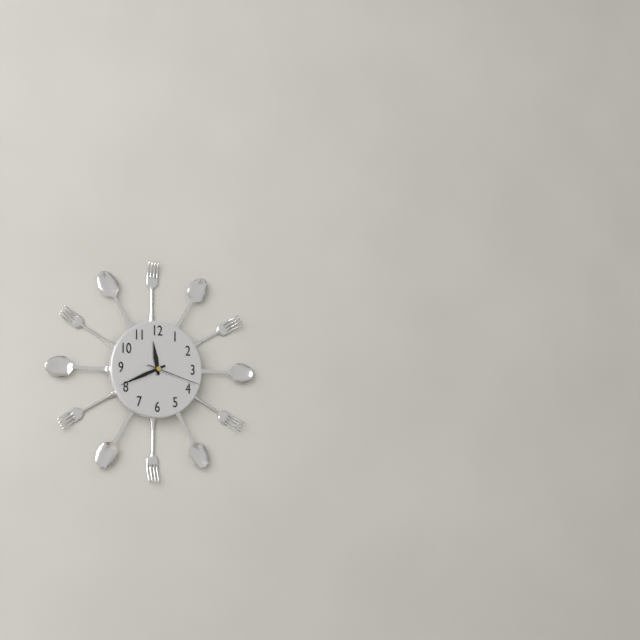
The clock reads 11.41.18
